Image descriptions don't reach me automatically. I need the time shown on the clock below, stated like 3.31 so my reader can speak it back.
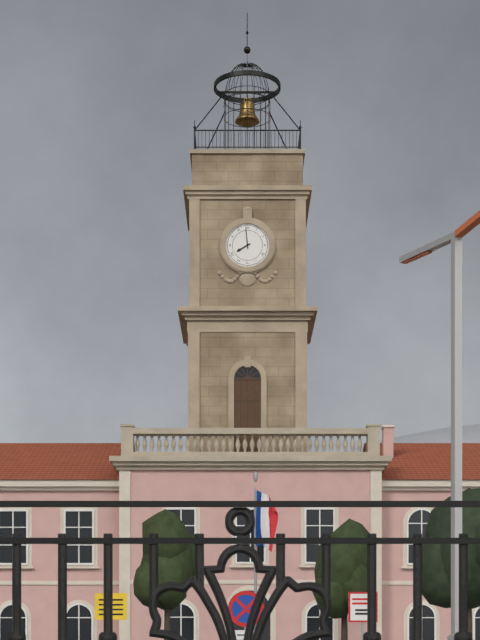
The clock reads 7.59
